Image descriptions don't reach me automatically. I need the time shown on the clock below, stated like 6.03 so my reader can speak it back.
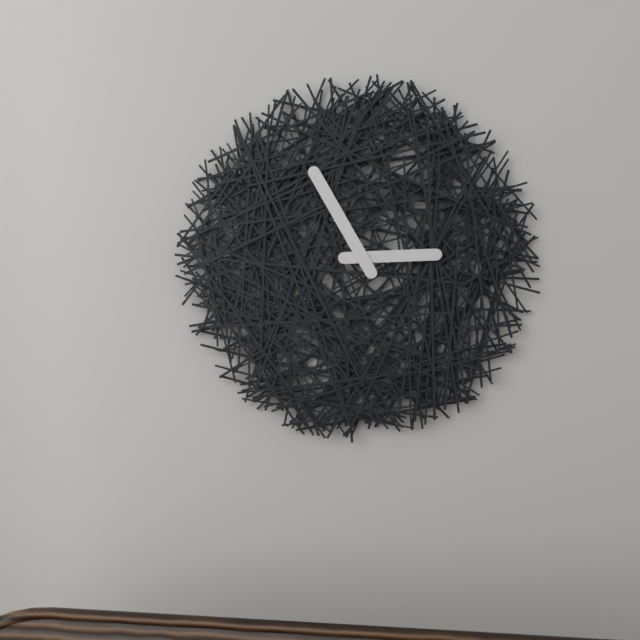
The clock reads 2.55
